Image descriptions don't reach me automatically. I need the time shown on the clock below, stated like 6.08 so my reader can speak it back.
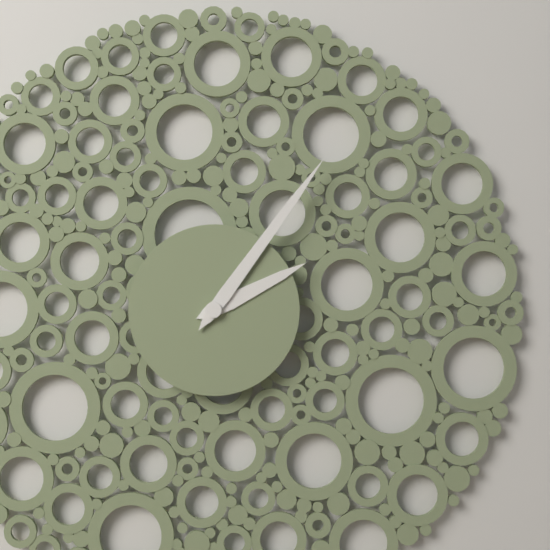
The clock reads 2.06
